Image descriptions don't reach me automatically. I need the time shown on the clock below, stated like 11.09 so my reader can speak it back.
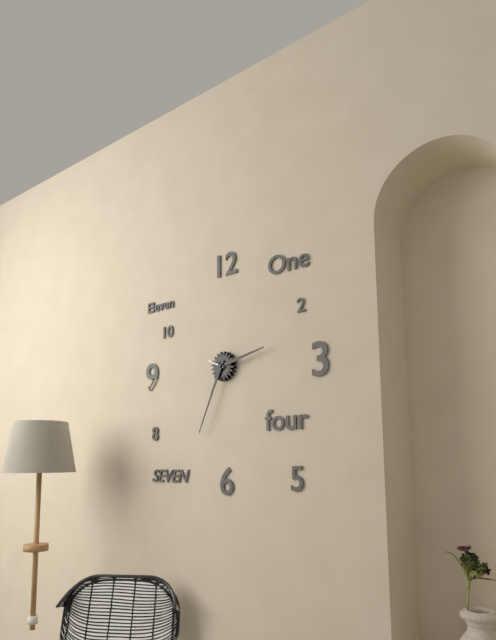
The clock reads 2.34
